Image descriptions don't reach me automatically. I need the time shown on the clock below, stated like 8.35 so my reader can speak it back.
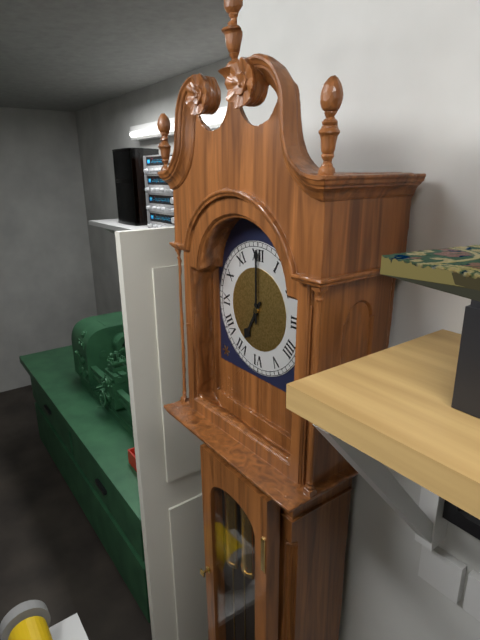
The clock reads 7.00
